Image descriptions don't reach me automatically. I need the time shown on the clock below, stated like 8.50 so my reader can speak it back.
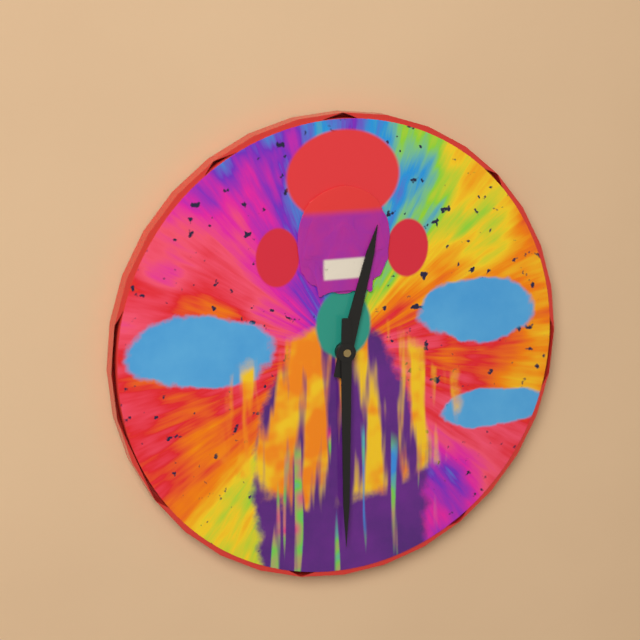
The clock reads 12.30
